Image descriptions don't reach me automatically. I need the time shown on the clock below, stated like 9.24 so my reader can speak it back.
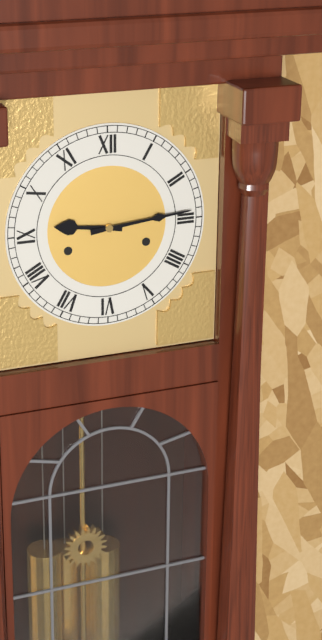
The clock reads 9.14
